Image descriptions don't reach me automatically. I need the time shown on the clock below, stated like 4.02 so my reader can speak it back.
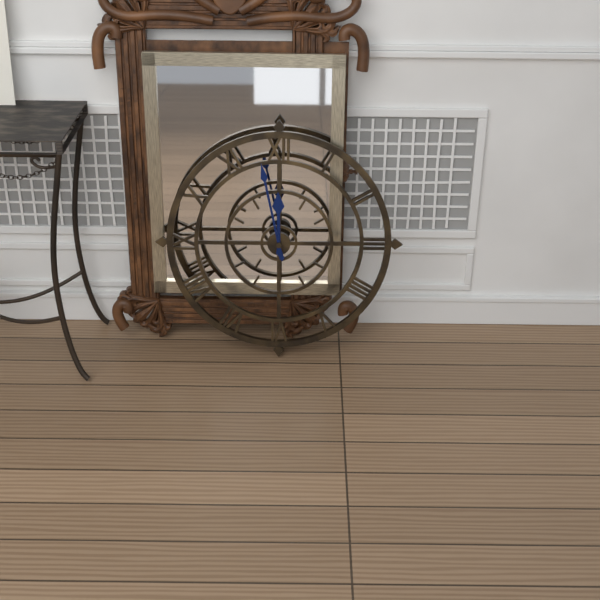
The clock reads 11.58
